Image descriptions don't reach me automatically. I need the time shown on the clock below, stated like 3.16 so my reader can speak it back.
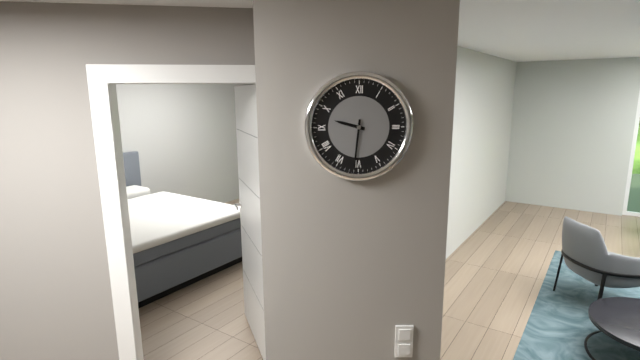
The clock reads 9.31
